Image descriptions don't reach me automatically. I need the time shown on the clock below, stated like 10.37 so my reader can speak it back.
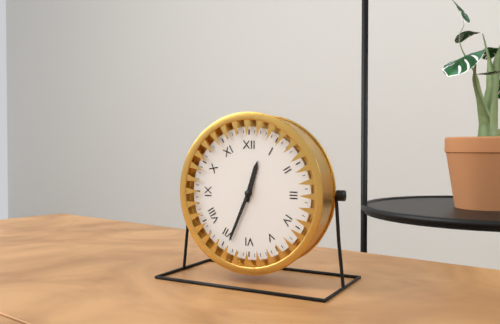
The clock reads 12.34
